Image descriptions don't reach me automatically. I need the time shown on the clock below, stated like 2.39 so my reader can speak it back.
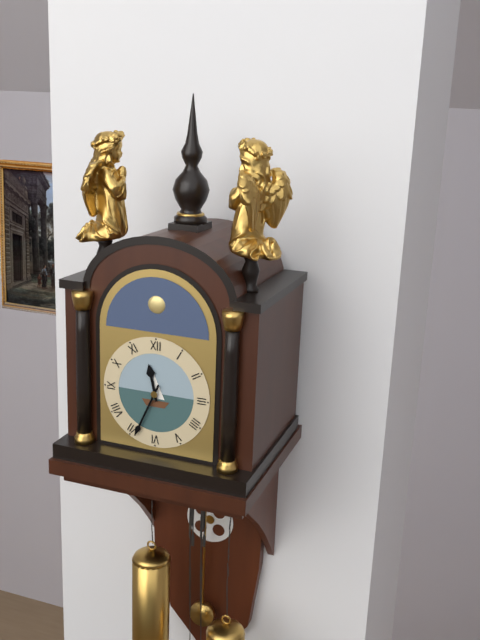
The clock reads 11.34
